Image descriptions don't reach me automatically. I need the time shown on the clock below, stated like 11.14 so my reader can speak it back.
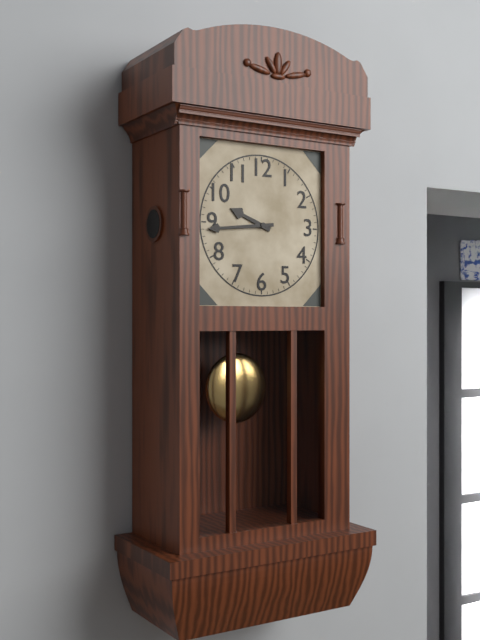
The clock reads 9.44
